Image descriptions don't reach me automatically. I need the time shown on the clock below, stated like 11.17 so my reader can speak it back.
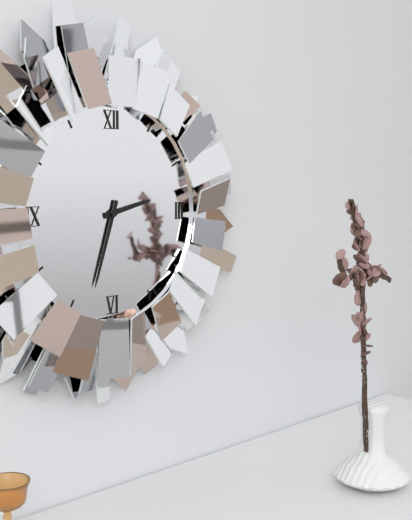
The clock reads 2.33
